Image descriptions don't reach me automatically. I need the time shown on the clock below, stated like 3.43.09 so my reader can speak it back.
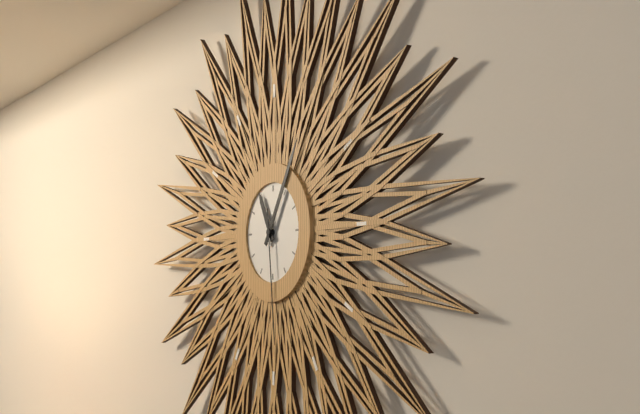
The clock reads 11.05.29
